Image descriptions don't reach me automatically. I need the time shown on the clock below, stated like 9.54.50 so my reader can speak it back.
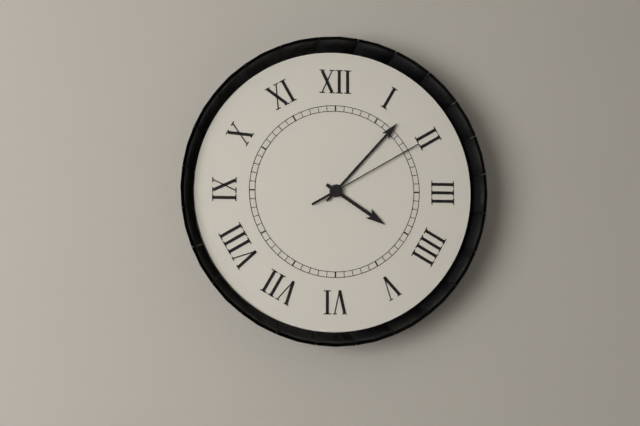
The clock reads 4.07.10
